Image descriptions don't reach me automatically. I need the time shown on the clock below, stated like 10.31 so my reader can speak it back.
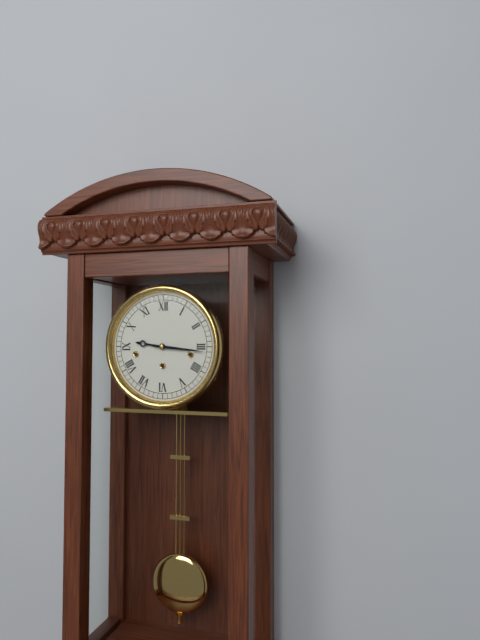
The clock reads 9.16
